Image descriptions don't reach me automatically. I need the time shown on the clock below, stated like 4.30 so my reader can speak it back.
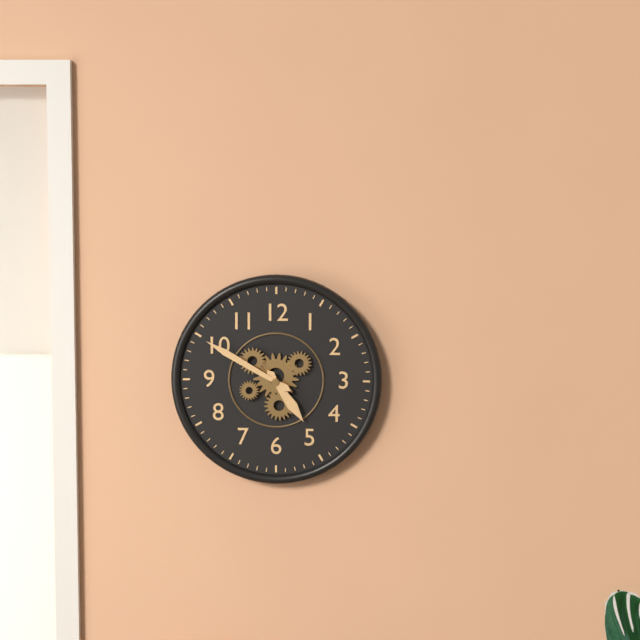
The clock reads 4.50
